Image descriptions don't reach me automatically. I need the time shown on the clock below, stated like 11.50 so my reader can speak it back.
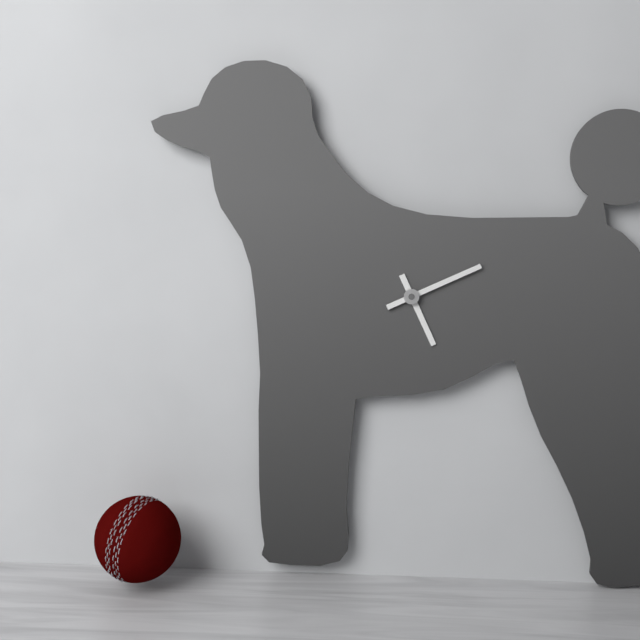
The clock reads 5.11
